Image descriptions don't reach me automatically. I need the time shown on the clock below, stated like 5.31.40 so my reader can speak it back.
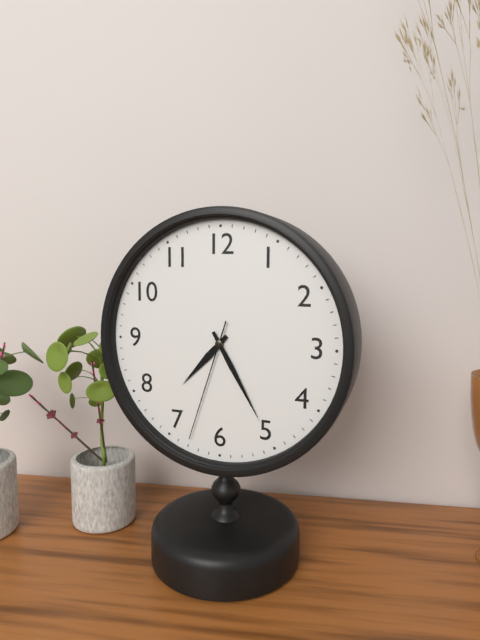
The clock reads 7.25.33
